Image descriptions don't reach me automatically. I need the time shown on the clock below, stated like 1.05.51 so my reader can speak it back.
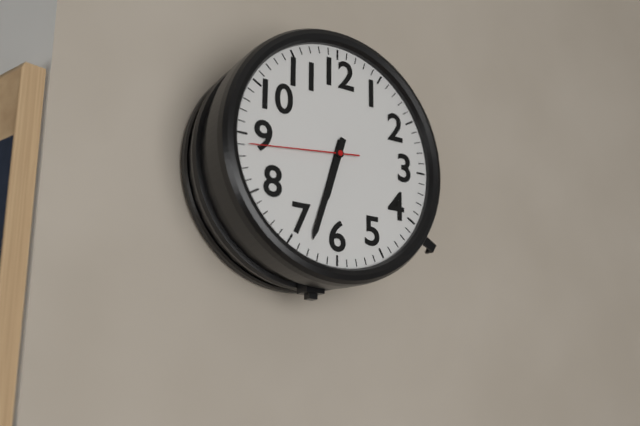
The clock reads 6.33.44
